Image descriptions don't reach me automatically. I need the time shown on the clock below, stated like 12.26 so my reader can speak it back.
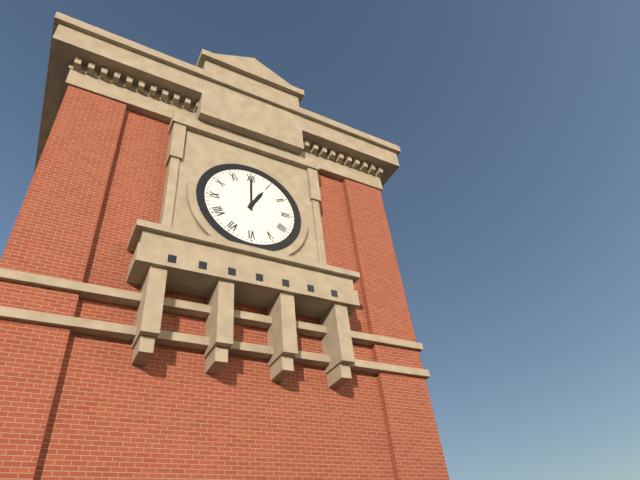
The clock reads 1.00
